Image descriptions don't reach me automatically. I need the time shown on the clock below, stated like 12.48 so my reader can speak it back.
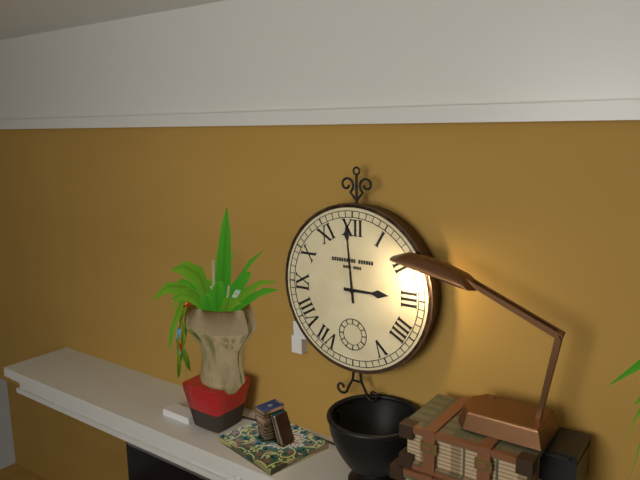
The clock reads 2.59
